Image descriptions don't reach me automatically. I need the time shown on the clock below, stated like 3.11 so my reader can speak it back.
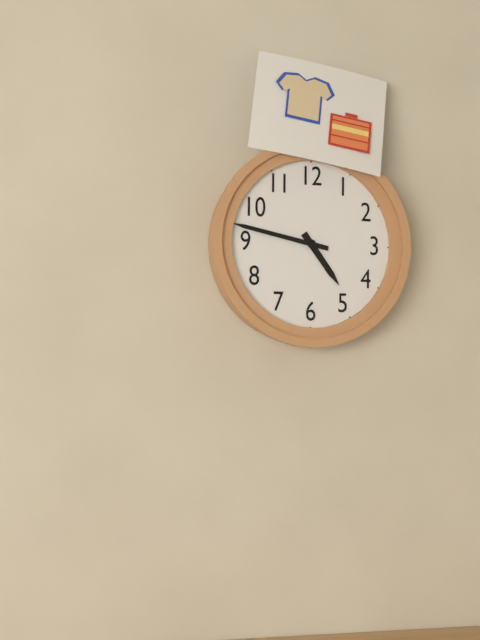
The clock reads 4.47
